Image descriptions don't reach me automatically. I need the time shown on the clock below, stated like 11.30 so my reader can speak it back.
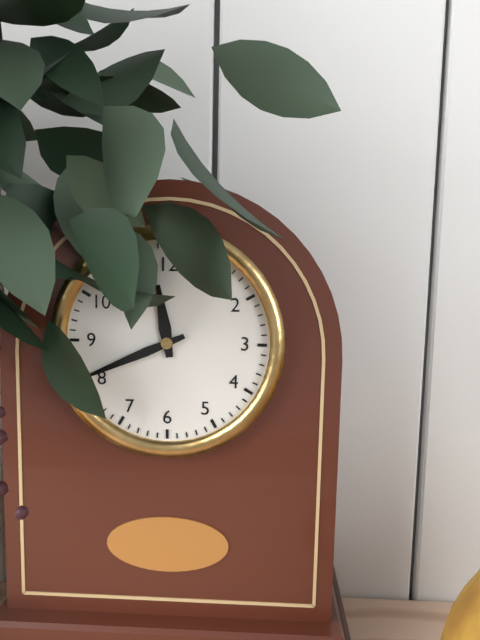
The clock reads 11.41
